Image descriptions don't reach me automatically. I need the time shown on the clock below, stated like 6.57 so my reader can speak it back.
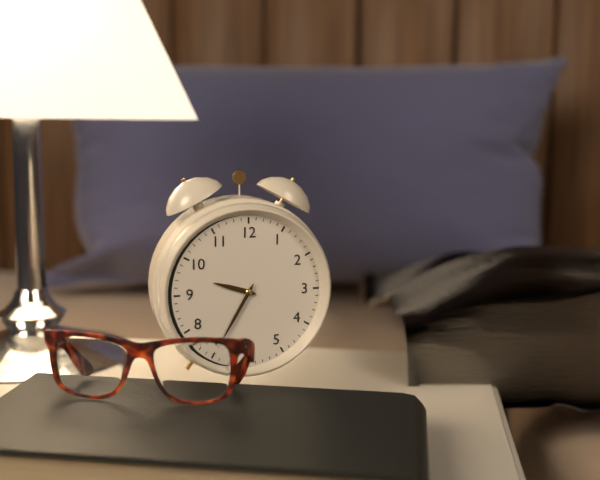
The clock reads 9.35
